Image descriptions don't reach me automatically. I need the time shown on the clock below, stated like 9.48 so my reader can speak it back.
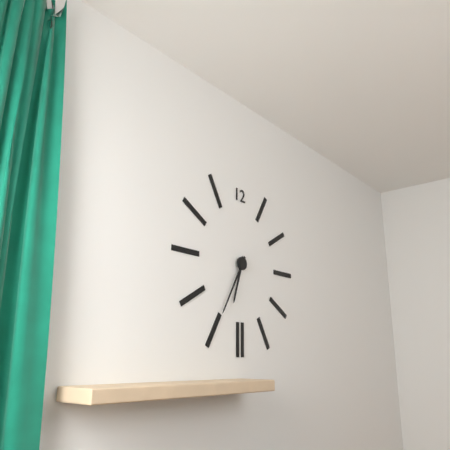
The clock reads 6.35
